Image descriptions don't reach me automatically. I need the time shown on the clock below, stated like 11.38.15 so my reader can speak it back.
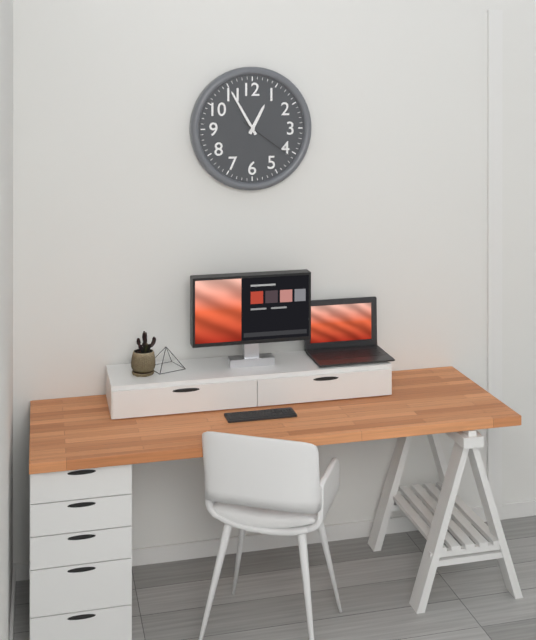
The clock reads 12.55.21
